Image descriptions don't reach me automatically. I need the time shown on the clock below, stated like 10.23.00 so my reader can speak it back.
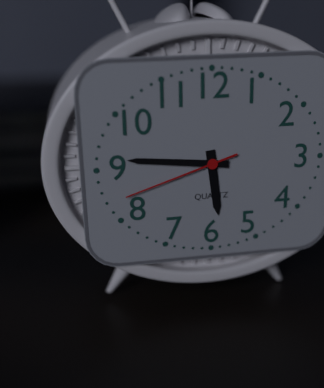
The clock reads 5.46.42
